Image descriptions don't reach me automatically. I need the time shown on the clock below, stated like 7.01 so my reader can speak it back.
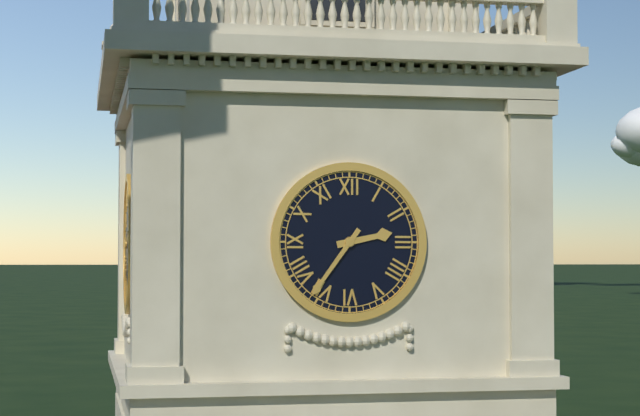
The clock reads 2.36
